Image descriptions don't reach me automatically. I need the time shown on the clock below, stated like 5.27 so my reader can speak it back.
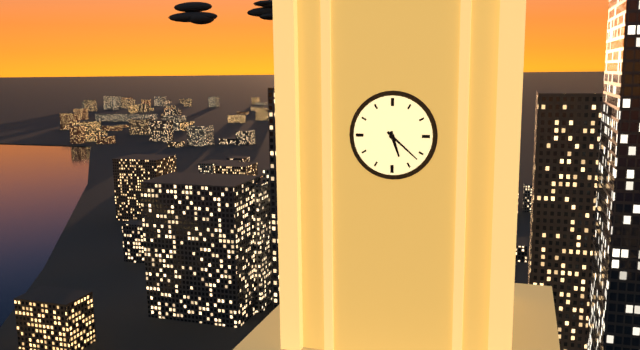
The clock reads 5.22
